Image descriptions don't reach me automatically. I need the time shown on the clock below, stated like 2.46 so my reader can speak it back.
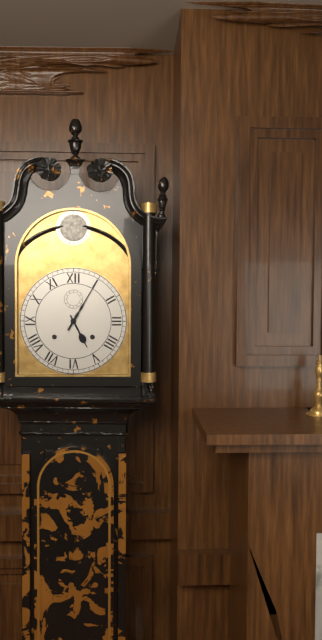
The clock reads 5.05
